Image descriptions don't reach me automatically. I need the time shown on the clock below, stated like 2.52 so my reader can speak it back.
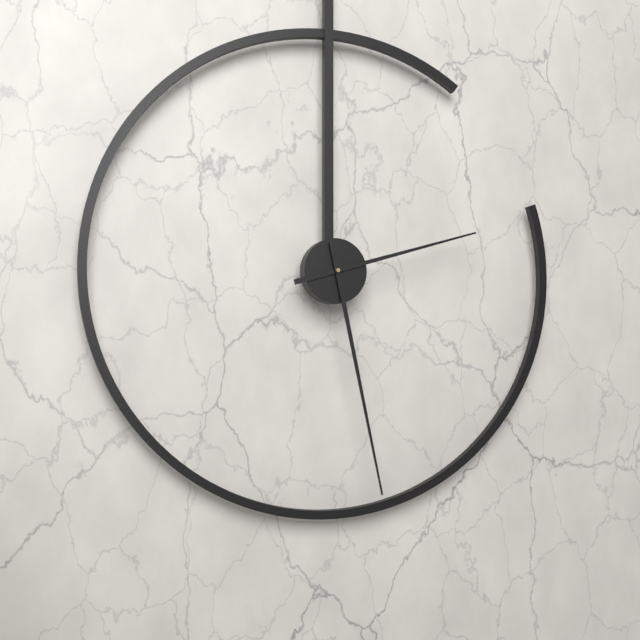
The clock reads 2.28
